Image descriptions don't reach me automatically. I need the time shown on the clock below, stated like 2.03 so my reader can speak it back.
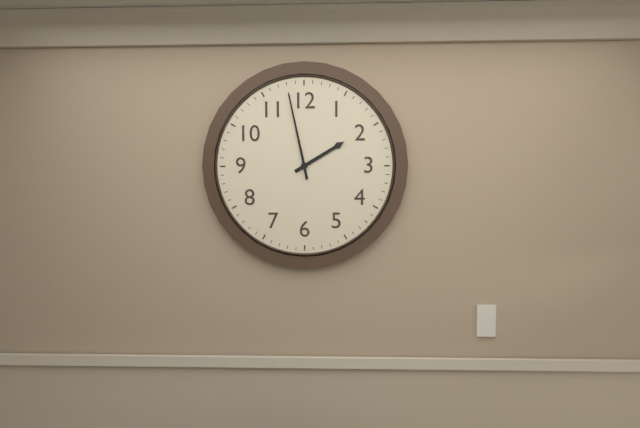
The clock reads 1.58
